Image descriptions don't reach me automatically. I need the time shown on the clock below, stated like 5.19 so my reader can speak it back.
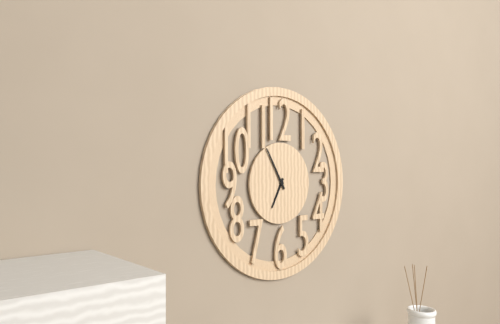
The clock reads 6.55
